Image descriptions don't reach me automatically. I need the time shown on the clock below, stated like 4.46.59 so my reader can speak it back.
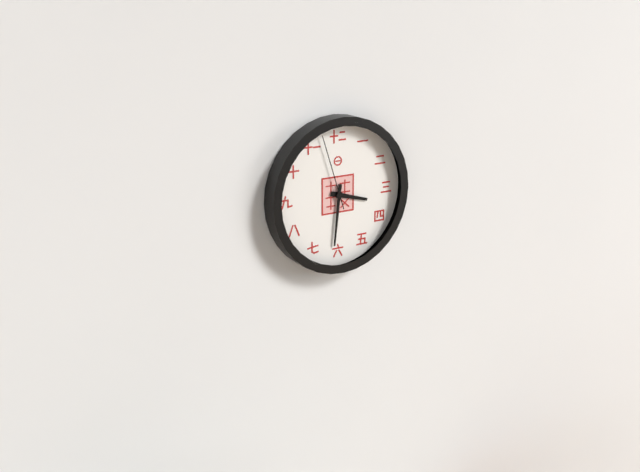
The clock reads 3.31.57
